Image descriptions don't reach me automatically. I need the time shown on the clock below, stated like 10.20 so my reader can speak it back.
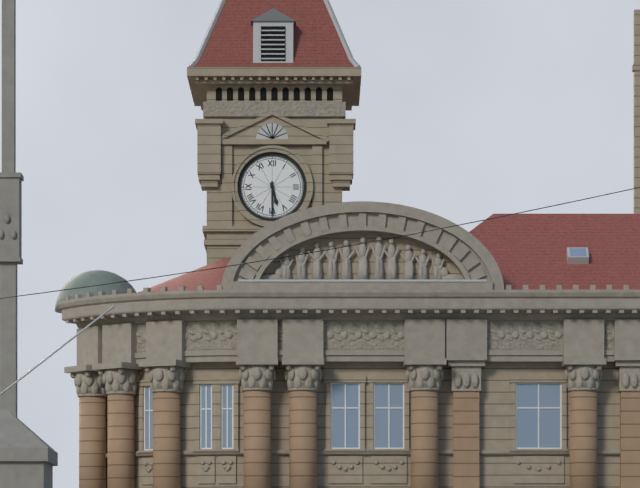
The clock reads 5.30
